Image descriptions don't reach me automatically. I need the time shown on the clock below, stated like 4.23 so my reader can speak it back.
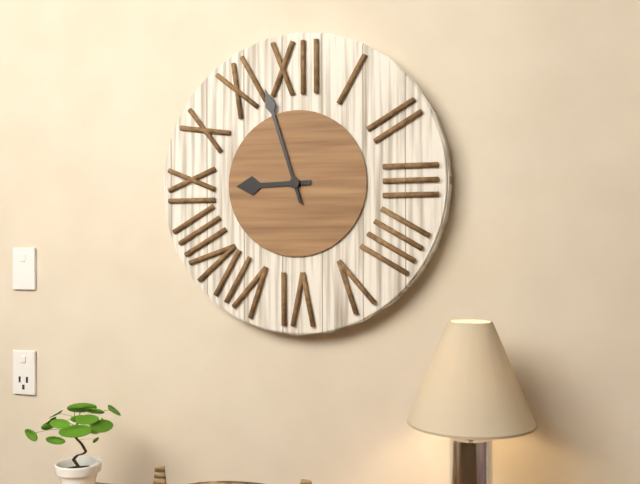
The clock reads 8.57
